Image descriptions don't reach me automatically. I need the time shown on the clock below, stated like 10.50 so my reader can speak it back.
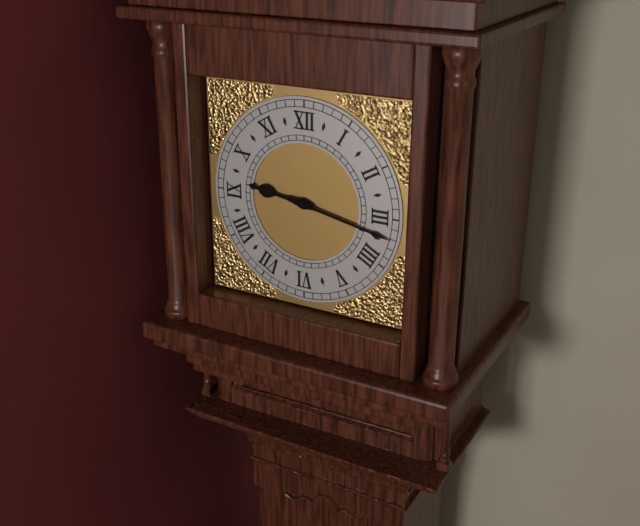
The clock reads 9.17
